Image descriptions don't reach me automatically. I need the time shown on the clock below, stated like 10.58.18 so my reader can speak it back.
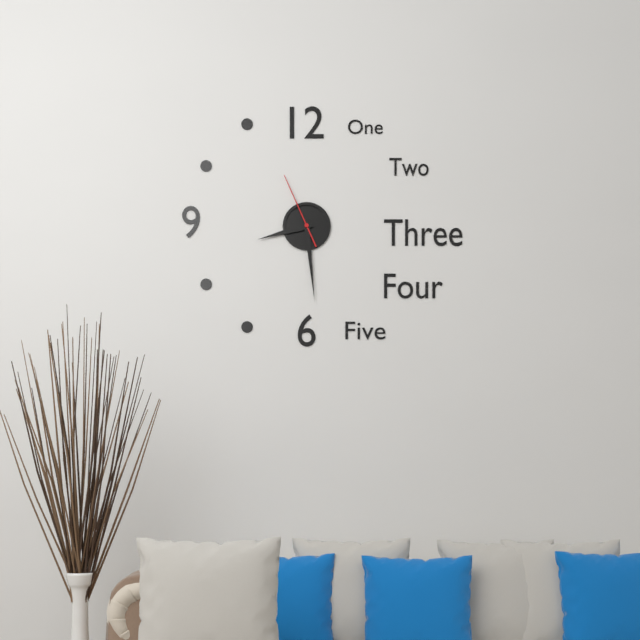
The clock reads 8.29.56
